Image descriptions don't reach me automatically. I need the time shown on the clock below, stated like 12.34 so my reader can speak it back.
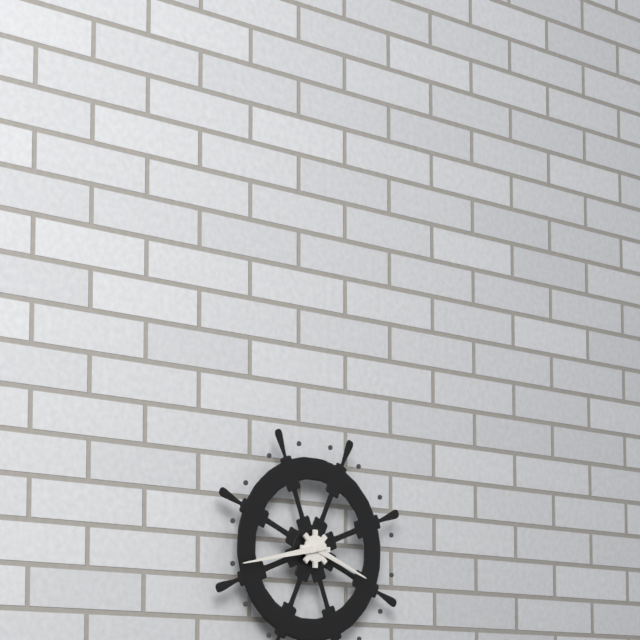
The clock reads 3.43
